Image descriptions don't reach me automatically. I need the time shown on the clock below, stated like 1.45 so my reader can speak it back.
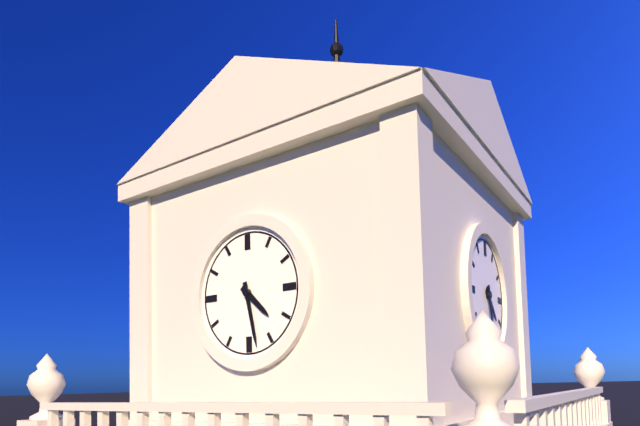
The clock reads 4.28
